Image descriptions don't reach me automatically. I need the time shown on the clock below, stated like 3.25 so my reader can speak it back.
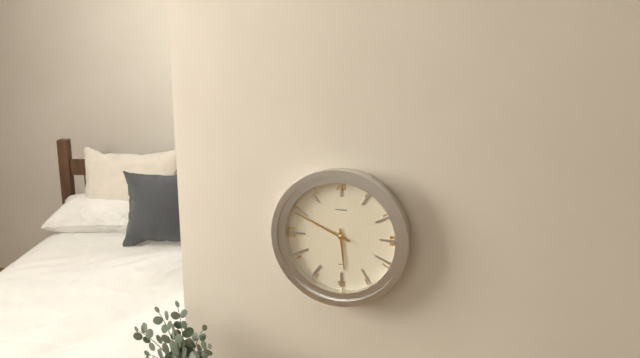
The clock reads 5.49
